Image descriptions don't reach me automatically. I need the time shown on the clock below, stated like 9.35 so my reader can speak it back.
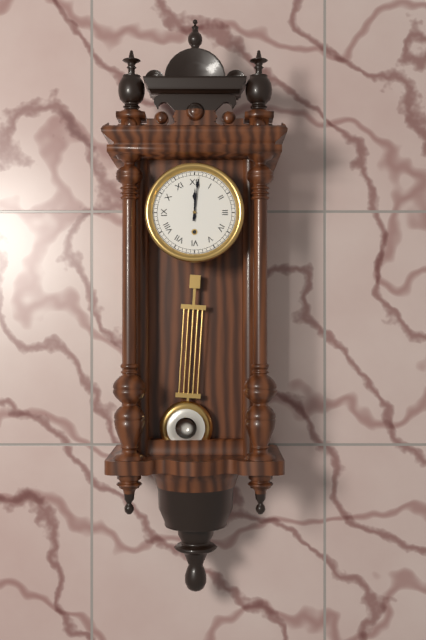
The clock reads 12.01
